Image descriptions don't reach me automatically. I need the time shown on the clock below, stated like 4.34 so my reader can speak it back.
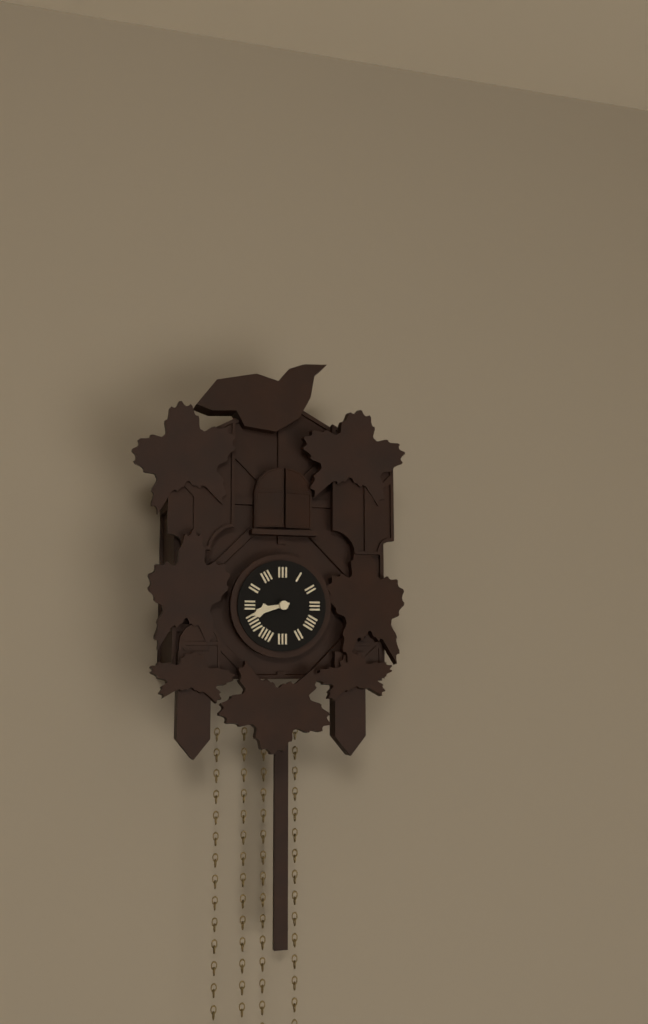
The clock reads 8.42
